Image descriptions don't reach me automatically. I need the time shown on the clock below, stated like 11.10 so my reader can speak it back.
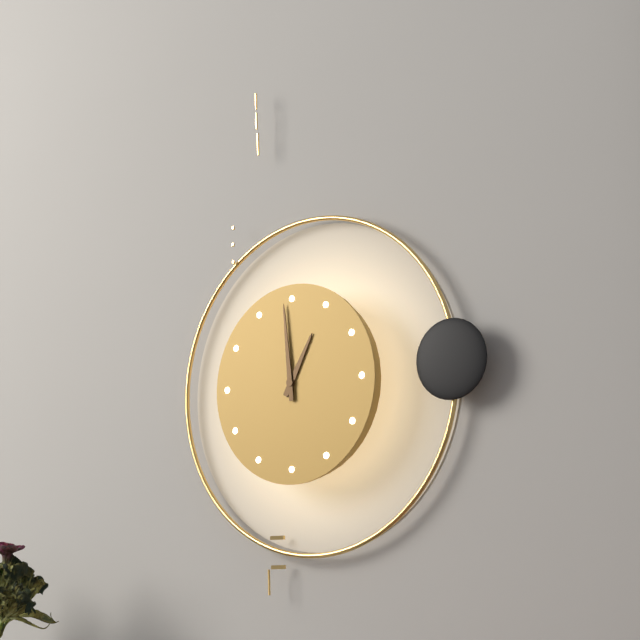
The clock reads 12.59
